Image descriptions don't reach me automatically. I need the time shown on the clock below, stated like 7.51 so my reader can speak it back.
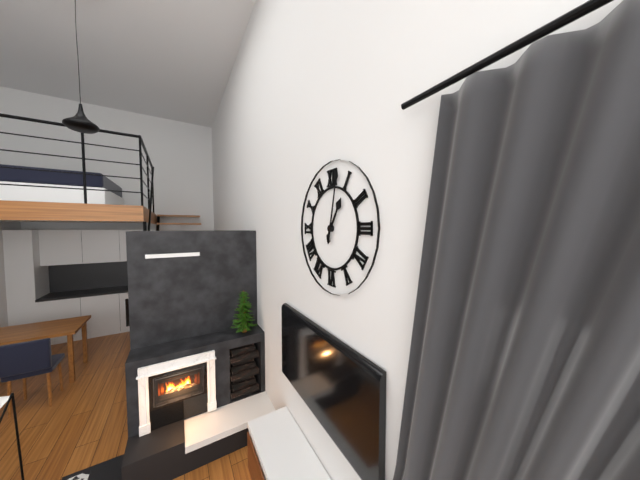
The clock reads 1.02
